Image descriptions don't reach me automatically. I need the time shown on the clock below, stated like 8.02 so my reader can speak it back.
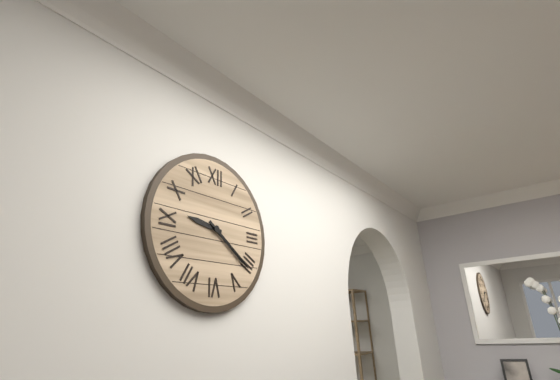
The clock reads 9.21
